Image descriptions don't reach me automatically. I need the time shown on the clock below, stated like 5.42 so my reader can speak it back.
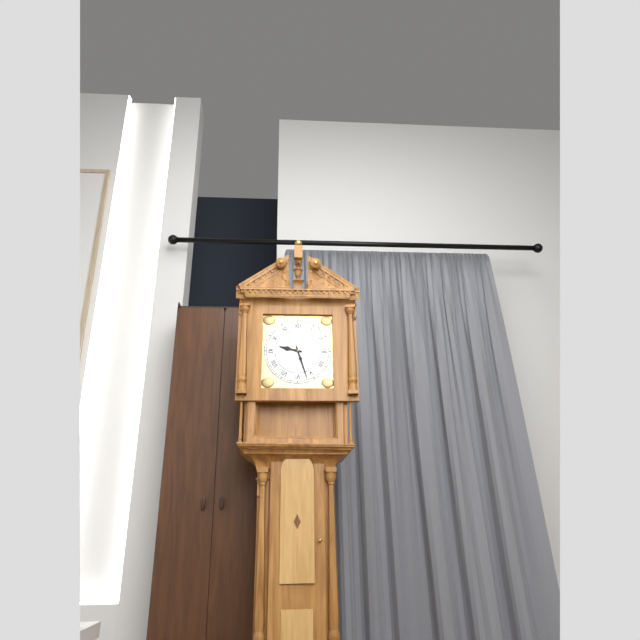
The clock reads 9.27
